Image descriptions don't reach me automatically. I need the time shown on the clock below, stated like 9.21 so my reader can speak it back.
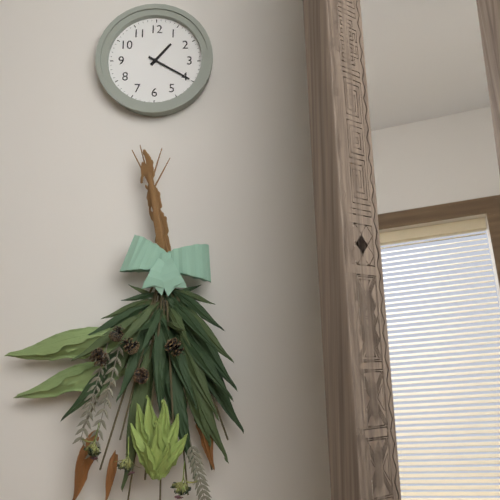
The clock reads 1.20
